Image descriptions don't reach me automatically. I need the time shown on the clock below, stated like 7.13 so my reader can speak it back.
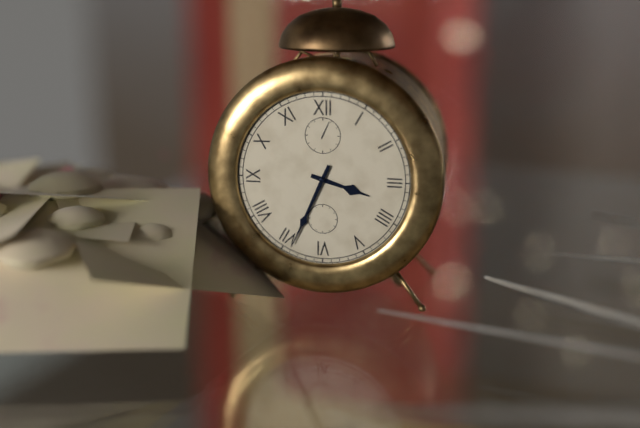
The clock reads 3.34
